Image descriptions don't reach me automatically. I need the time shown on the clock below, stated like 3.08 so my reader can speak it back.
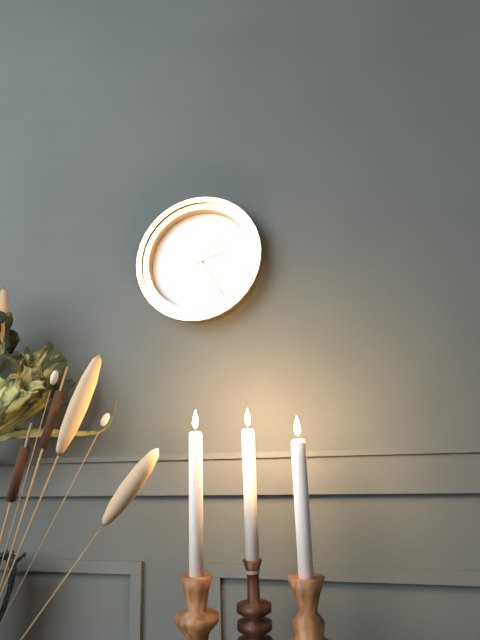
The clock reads 2.25
